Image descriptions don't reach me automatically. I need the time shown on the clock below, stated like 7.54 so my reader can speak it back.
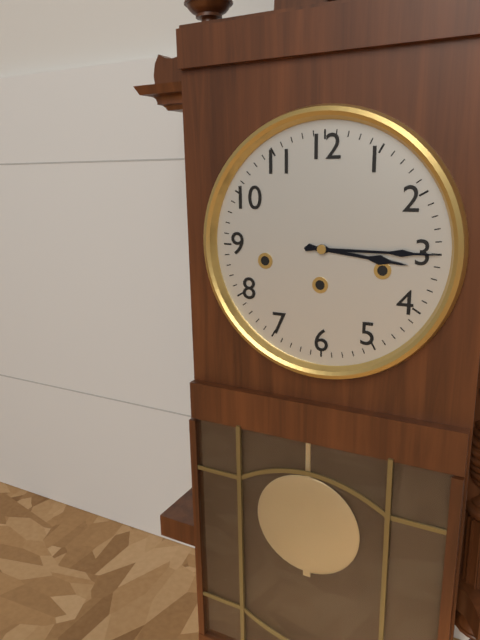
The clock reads 3.15
